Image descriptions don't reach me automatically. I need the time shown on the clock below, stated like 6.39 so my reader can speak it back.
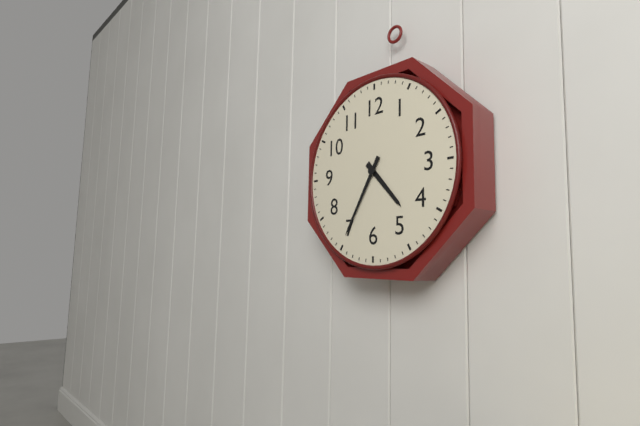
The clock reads 4.35
